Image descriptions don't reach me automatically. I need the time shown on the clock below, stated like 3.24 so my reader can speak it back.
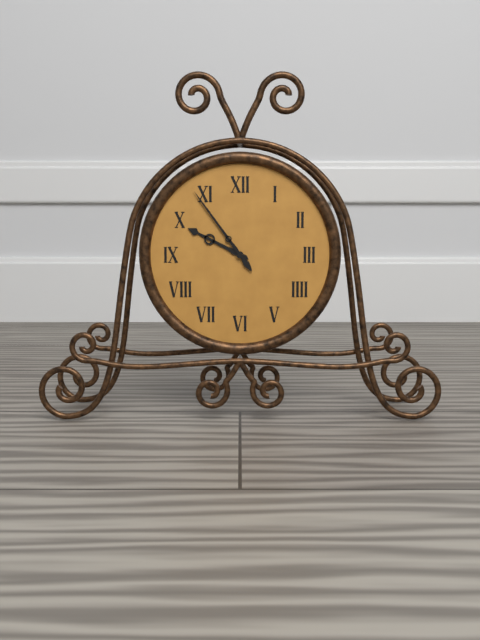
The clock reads 9.54
